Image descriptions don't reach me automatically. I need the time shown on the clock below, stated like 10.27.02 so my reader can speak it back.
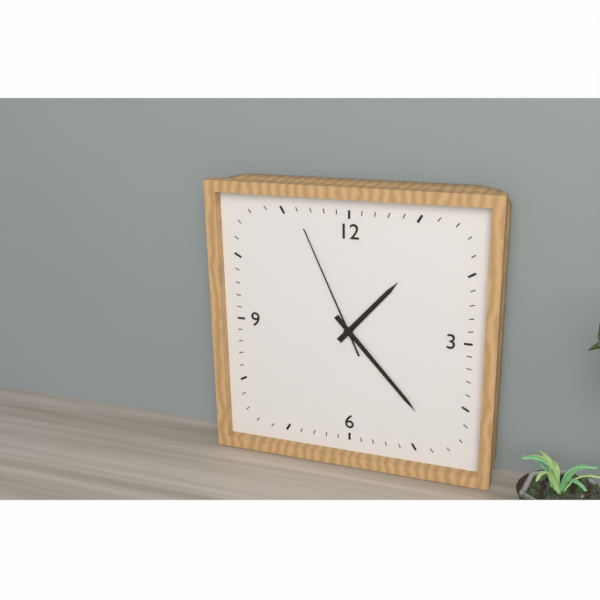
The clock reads 1.23.56
